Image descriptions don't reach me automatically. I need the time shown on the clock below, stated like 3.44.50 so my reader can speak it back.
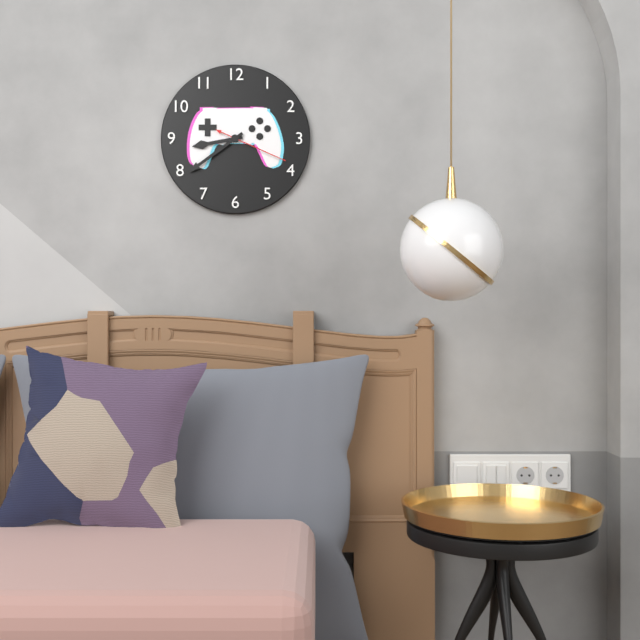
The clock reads 8.39.19
